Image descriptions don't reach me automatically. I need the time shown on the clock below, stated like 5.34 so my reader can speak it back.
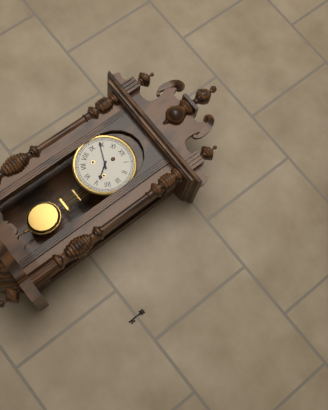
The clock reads 4.49
